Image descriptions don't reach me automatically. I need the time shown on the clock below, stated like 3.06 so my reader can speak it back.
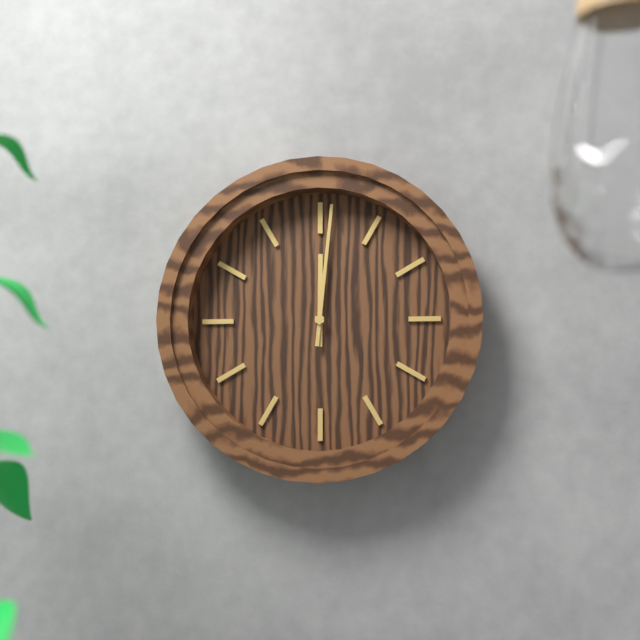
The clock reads 12.01
